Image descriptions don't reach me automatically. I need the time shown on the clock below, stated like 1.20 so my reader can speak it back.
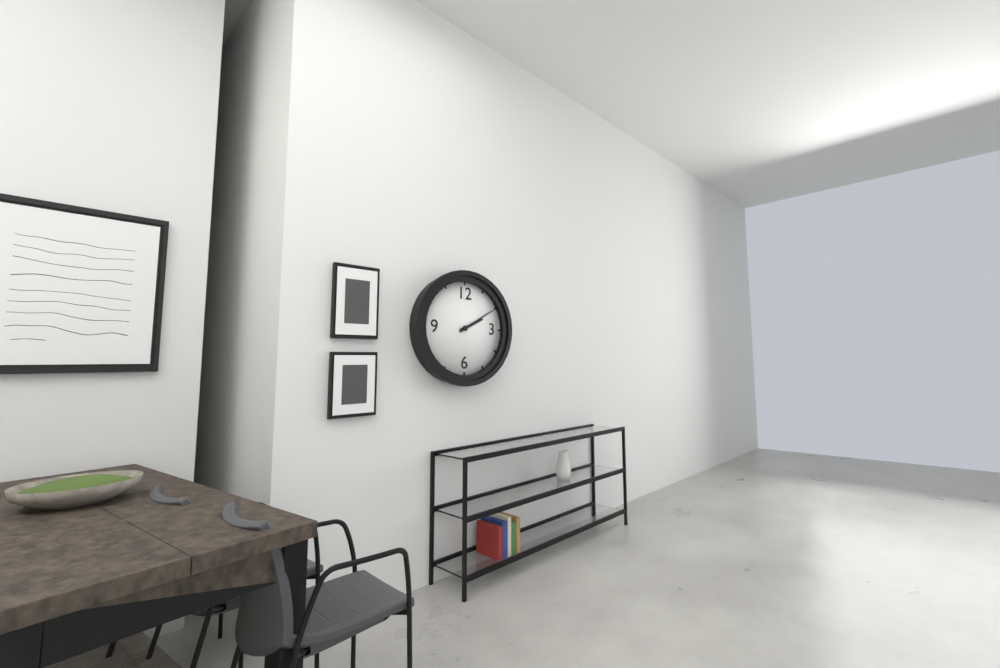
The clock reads 2.10
